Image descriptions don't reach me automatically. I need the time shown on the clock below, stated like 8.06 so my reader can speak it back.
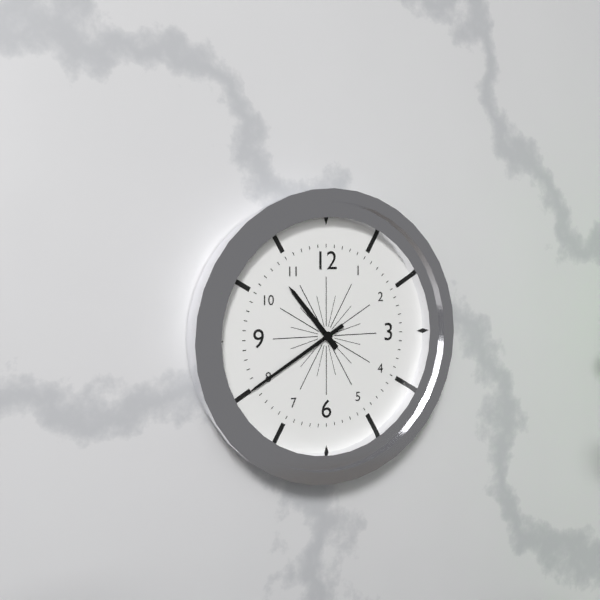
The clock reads 10.40
